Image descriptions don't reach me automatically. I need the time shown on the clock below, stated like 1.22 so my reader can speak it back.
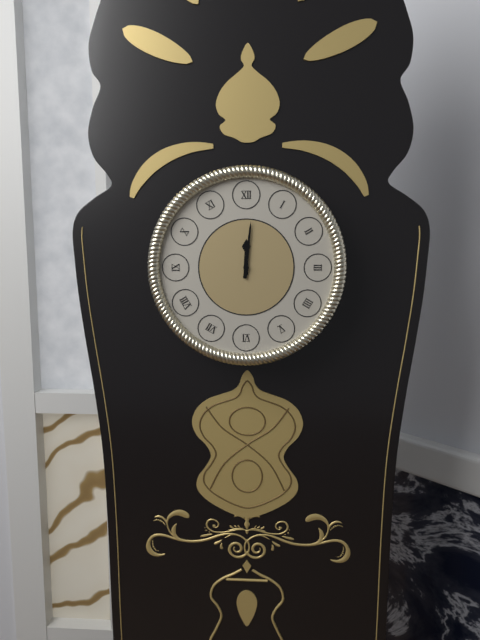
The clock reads 12.01
